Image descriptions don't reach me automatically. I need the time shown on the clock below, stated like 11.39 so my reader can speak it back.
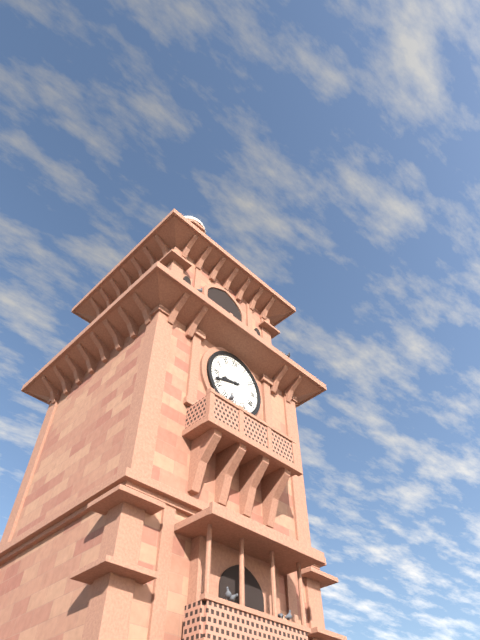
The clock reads 8.42
